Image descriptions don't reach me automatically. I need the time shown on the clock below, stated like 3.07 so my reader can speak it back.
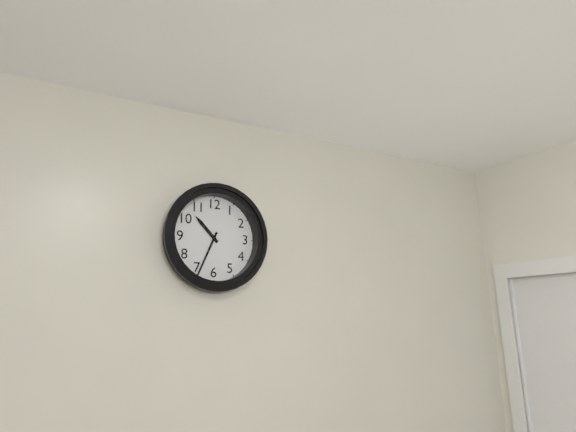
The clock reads 10.34
